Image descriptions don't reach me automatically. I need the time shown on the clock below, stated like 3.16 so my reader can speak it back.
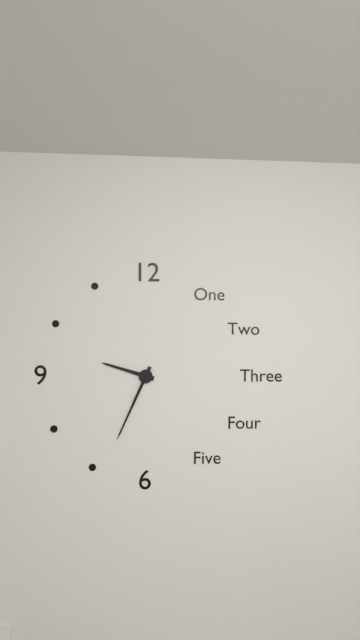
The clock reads 9.34
